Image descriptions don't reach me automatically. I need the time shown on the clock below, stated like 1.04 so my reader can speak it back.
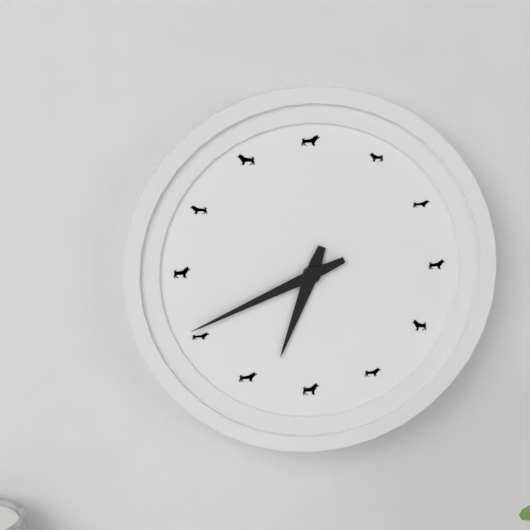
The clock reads 6.41
